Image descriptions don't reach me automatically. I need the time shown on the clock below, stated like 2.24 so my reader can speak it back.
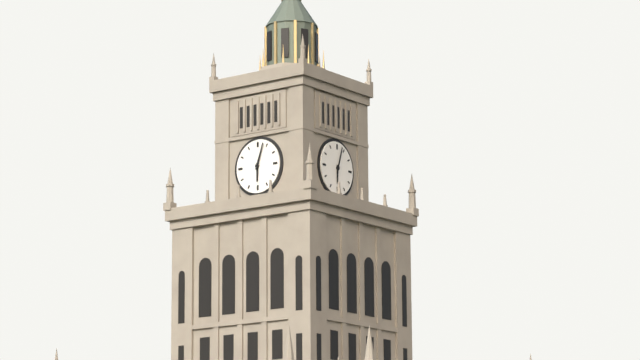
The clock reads 6.03
